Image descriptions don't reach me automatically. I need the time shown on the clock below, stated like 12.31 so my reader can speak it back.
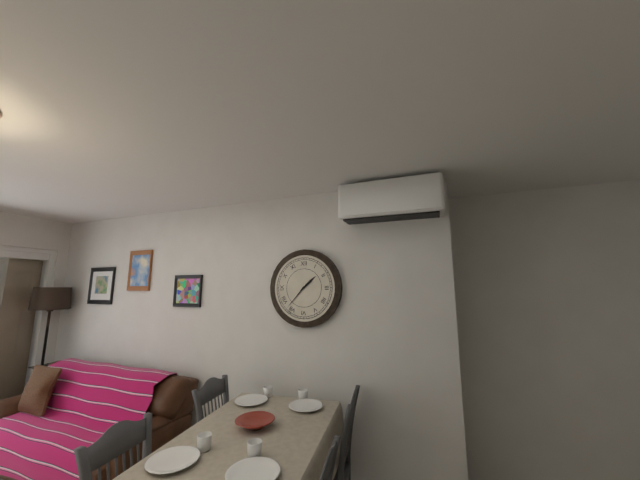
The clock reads 1.37
